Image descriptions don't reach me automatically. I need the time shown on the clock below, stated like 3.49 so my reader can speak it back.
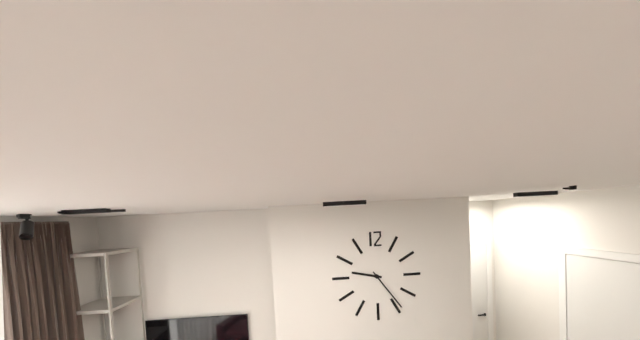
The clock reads 9.24
